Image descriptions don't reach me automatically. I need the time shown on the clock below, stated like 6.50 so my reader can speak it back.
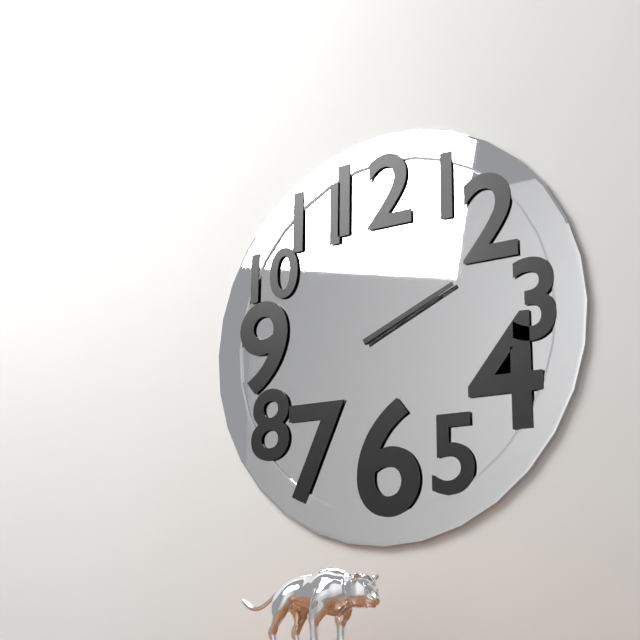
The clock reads 2.11
